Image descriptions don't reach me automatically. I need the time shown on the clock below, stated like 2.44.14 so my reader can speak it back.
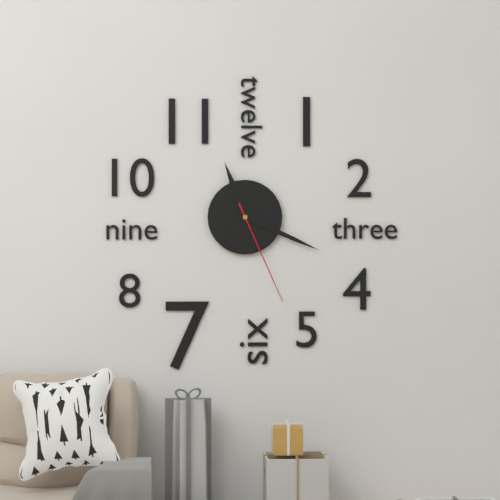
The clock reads 11.19.26
